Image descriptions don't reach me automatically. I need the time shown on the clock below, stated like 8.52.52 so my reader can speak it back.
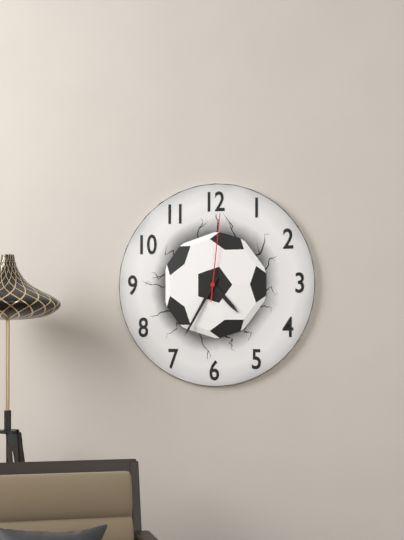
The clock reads 4.35.01
